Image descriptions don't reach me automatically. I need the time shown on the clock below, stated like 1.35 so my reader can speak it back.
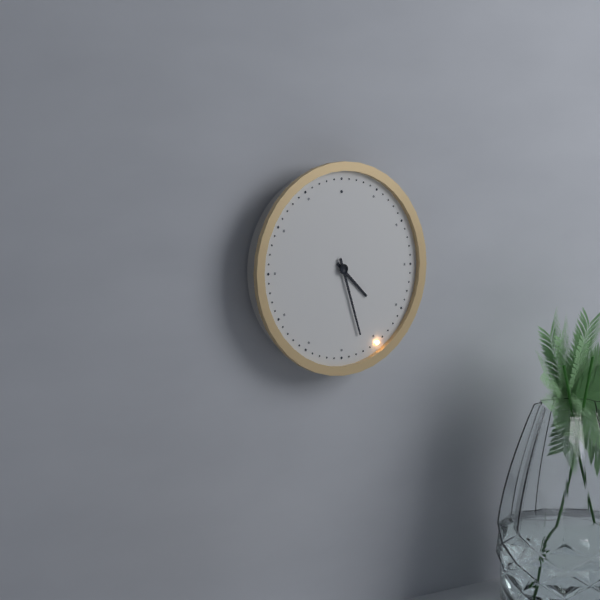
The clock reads 4.27
